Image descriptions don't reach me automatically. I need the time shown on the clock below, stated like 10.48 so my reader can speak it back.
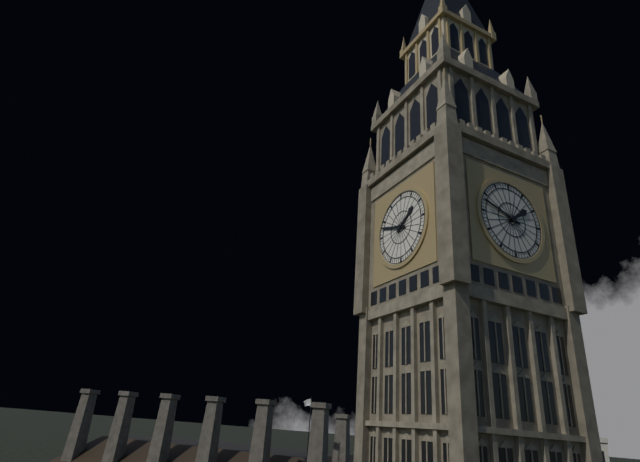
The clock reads 1.48
